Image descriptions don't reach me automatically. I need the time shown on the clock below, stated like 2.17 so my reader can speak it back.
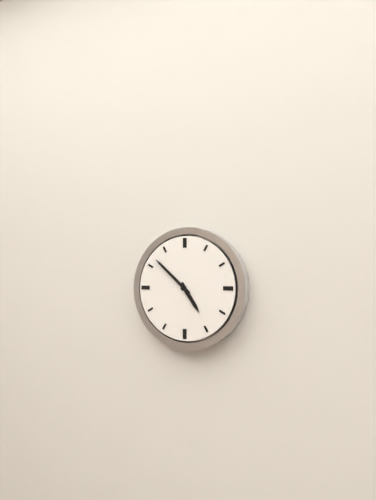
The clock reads 4.52
